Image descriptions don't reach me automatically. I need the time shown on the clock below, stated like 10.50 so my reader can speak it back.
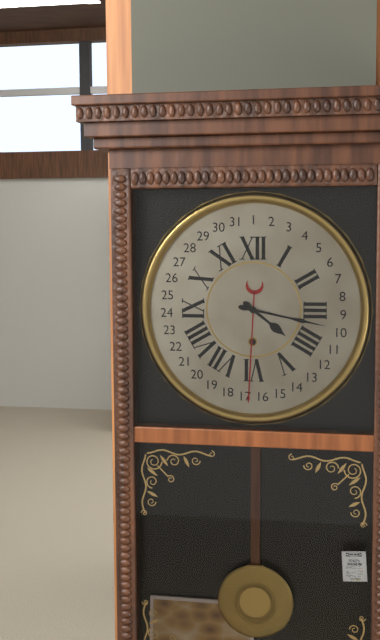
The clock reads 4.17
